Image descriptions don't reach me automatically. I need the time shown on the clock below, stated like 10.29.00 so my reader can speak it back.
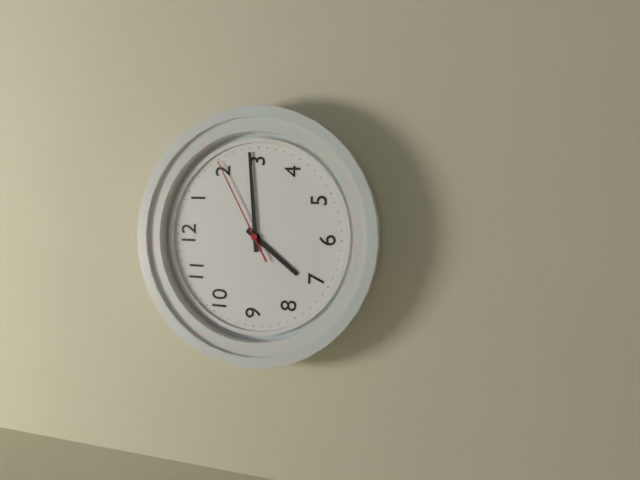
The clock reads 7.14.10
